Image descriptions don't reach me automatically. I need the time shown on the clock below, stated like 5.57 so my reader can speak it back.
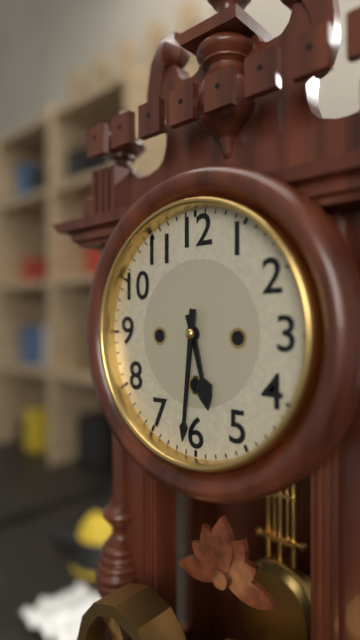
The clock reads 5.31
